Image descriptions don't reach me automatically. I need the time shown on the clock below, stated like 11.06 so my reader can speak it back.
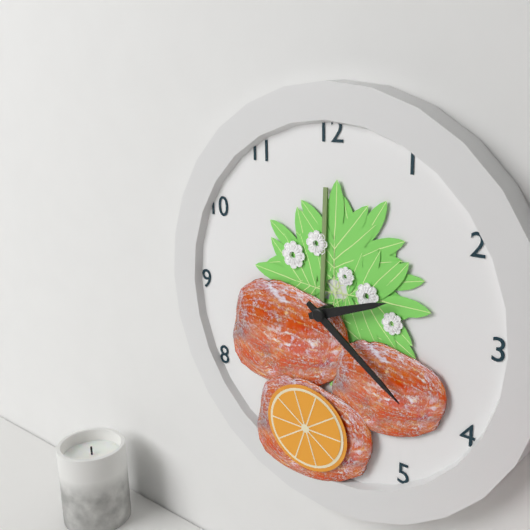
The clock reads 2.21
